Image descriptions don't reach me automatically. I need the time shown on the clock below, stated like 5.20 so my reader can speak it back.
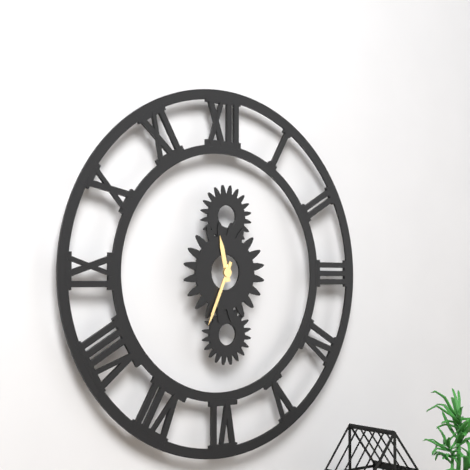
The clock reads 11.34
